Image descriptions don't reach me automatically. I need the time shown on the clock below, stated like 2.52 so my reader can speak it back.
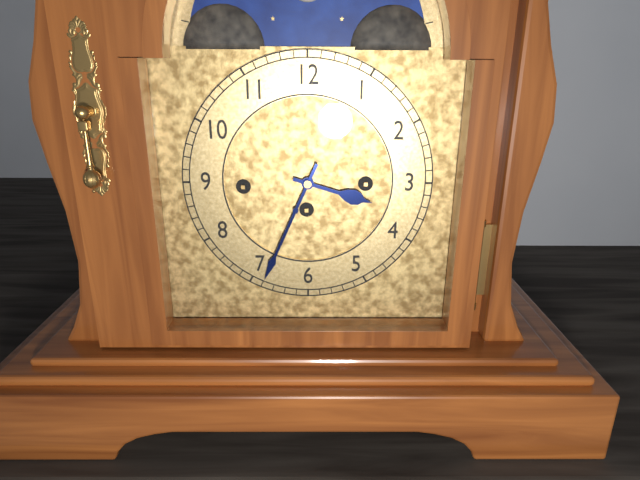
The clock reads 3.34
